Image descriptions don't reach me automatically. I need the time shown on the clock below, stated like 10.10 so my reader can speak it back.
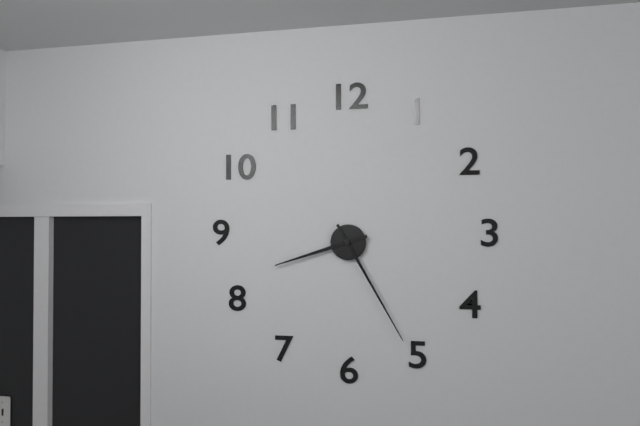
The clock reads 8.25
